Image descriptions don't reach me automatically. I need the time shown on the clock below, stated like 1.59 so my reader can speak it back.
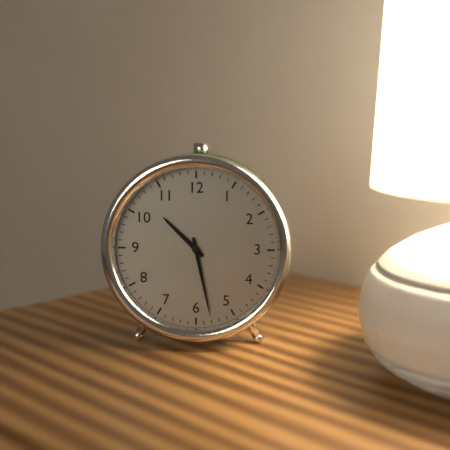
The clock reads 10.28
